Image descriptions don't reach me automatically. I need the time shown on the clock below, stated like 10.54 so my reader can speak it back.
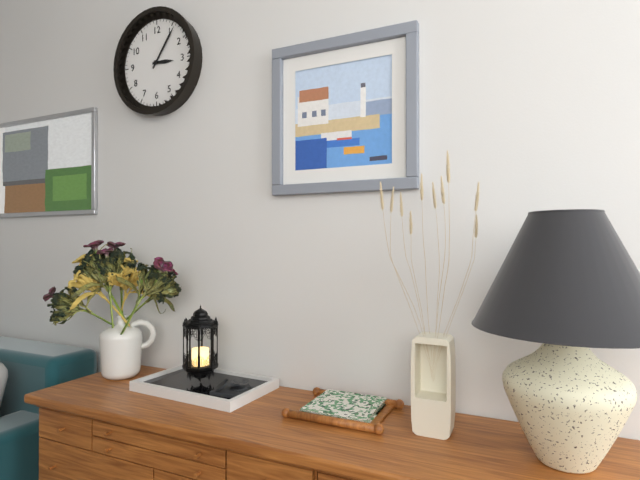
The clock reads 3.06
